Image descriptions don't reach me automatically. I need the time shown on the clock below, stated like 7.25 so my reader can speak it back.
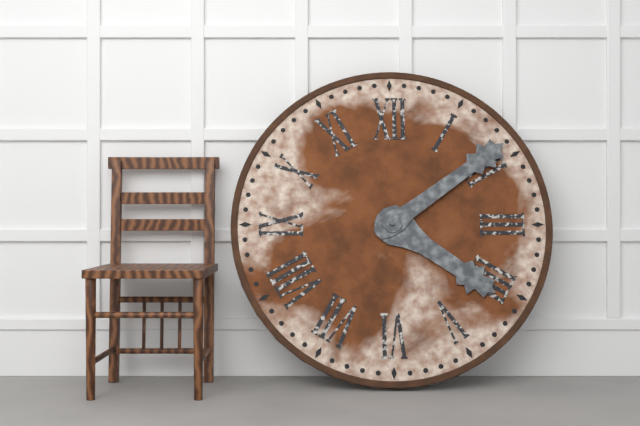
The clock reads 4.09
